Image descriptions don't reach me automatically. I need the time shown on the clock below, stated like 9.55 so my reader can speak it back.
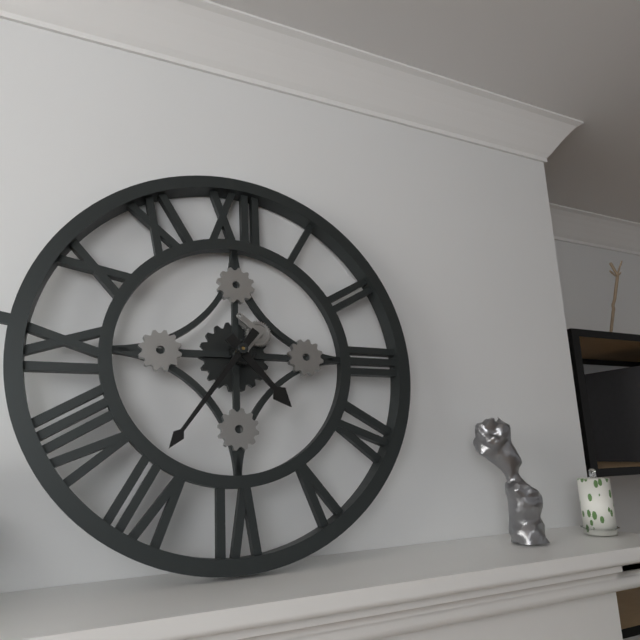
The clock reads 4.36
